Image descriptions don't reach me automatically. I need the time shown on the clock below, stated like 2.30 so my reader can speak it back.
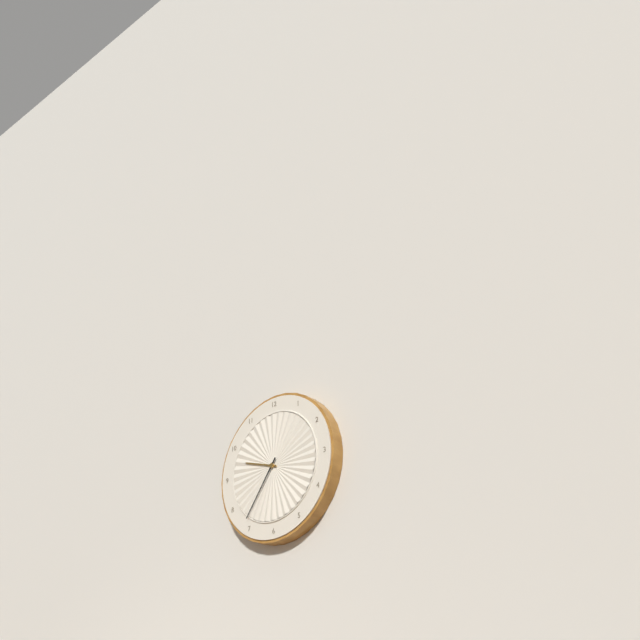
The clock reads 9.36
